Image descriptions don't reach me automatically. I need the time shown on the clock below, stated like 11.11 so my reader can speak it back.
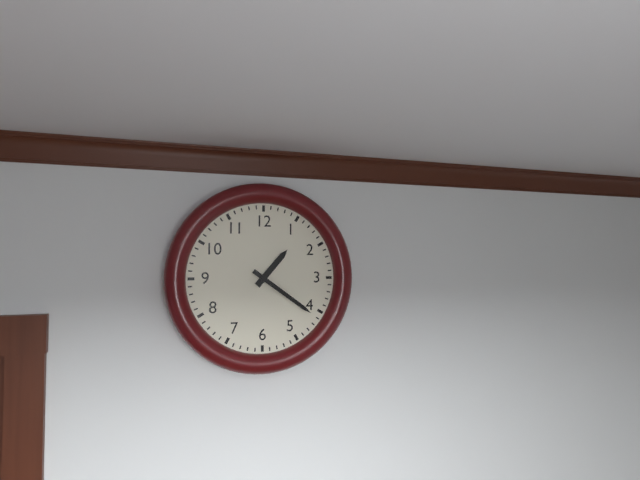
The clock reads 1.21
